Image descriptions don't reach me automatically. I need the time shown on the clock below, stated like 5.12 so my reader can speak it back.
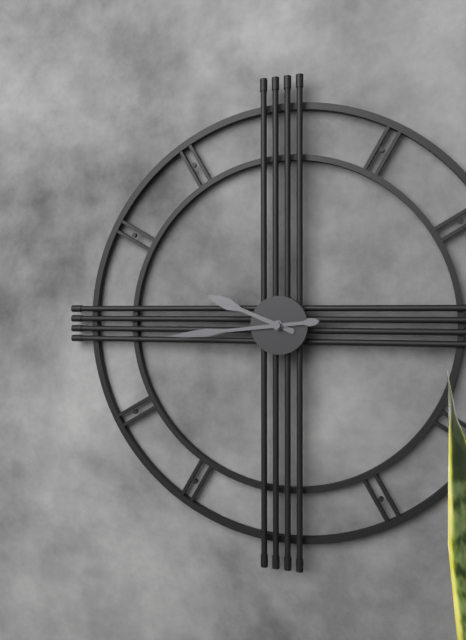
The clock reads 9.44
